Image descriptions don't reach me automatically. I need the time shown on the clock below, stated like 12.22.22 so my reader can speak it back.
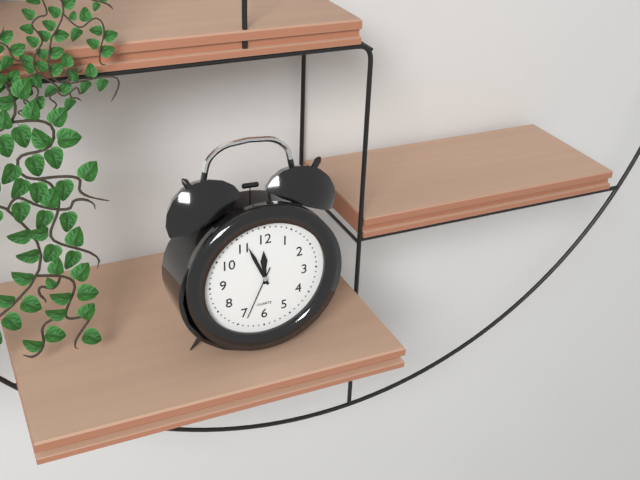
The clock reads 11.56.34
